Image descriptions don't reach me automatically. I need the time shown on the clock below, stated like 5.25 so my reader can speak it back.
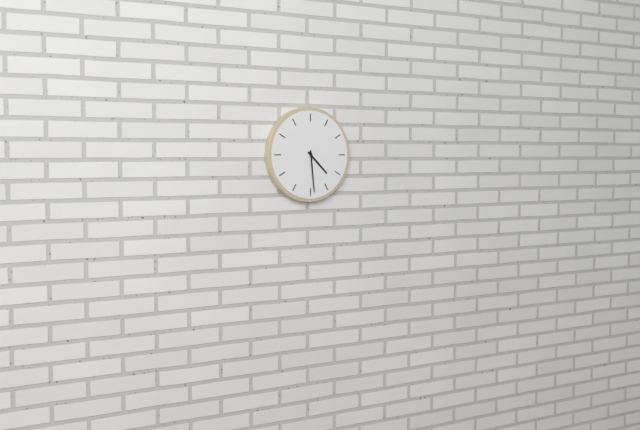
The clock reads 4.29
